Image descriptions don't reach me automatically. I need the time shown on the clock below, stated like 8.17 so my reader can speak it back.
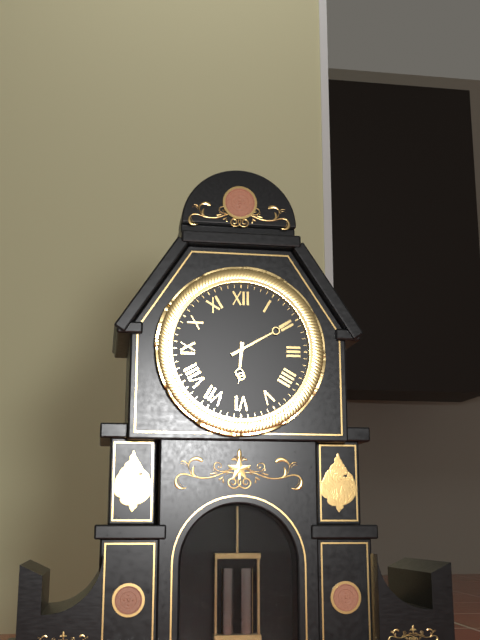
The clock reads 6.10
